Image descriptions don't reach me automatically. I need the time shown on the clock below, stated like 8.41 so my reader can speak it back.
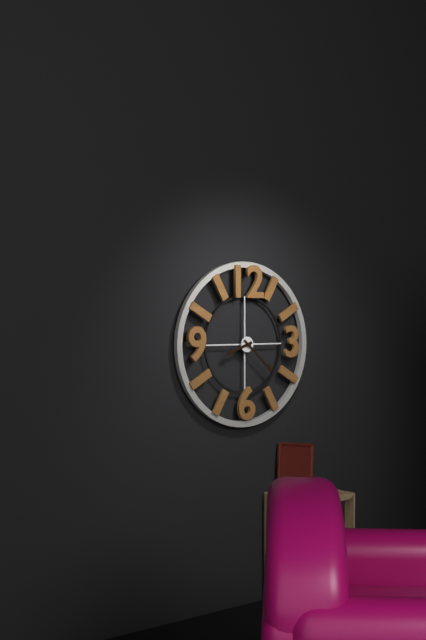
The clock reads 8.22
